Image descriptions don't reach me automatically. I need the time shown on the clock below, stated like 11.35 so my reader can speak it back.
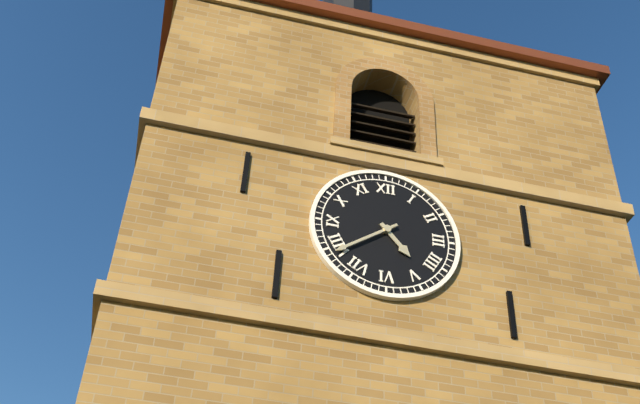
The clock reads 4.39
